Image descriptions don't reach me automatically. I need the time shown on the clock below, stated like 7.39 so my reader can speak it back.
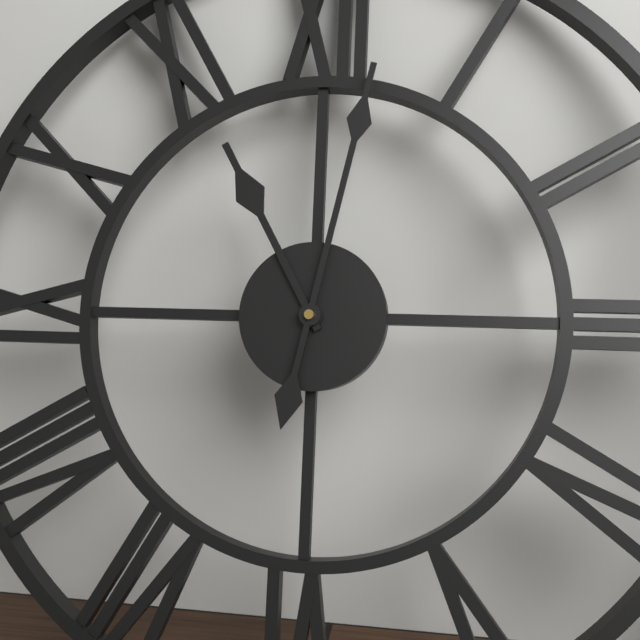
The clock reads 11.02
